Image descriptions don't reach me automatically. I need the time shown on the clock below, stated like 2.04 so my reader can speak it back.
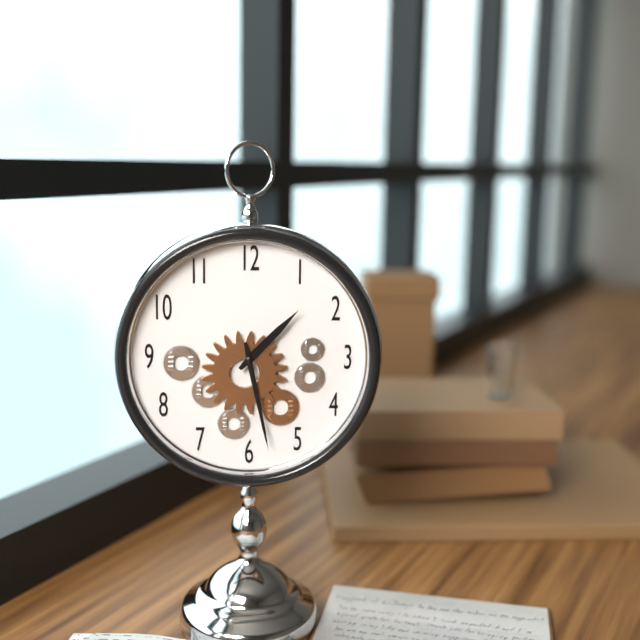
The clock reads 1.28
